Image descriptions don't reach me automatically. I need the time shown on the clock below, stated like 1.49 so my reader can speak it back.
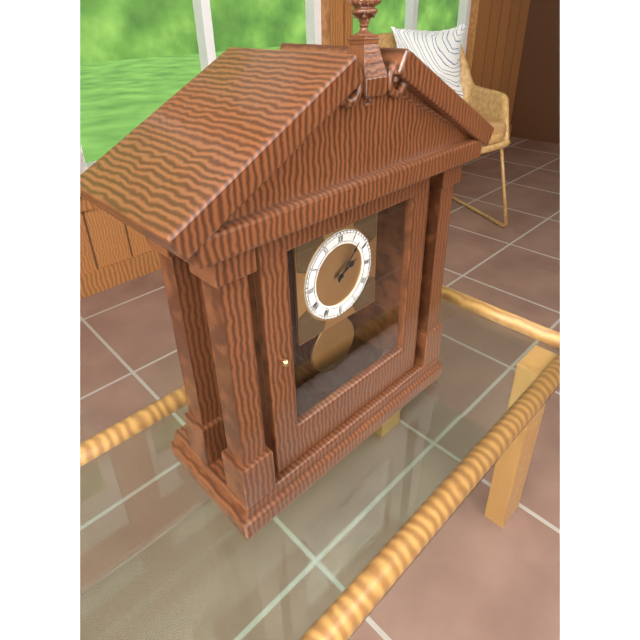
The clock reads 2.07
